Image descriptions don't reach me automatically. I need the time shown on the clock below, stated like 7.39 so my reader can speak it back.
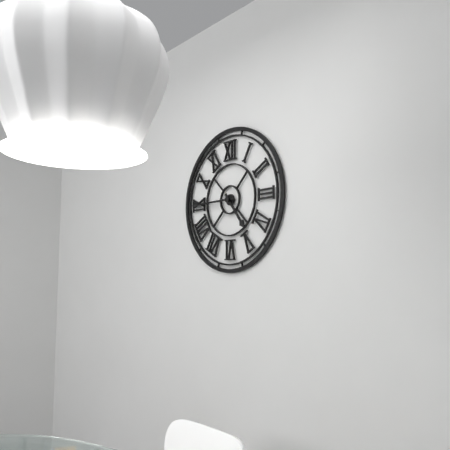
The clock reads 4.45
